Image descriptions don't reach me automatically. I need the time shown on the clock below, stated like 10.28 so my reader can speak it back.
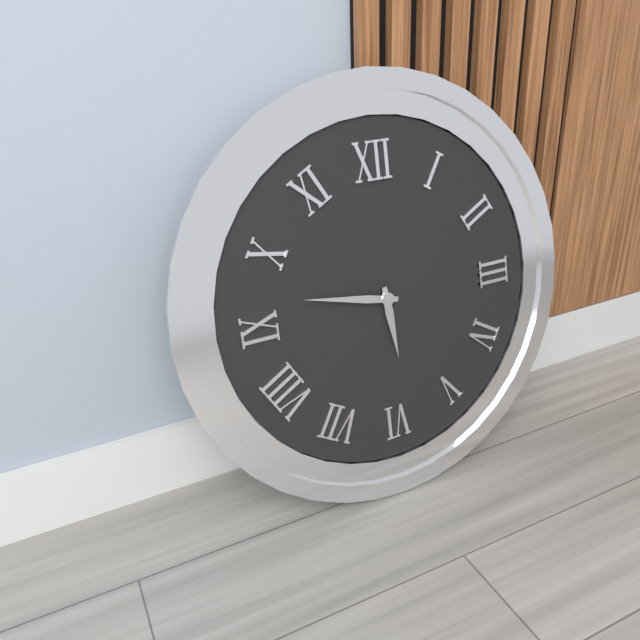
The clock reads 5.47
